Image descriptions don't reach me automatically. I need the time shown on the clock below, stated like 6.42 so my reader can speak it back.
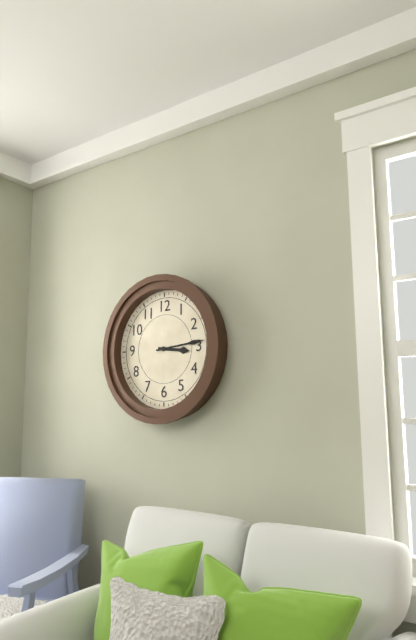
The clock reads 3.14
